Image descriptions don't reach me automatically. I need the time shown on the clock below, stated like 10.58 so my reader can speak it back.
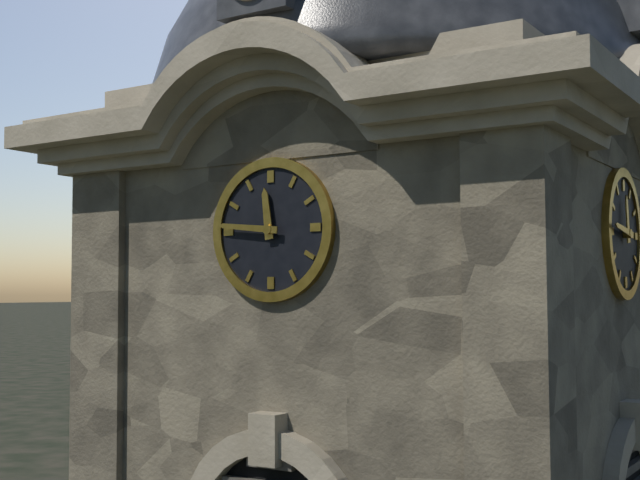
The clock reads 11.46
